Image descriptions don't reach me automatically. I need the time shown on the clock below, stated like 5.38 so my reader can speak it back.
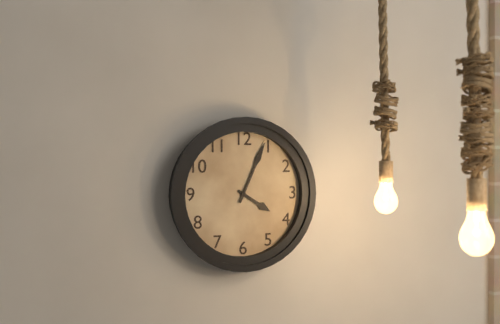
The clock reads 4.04
